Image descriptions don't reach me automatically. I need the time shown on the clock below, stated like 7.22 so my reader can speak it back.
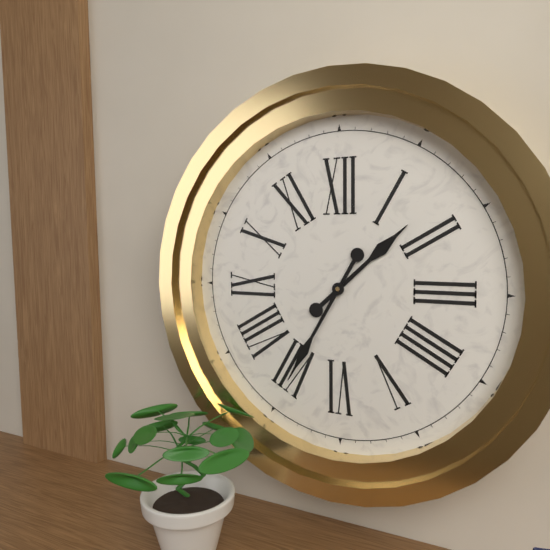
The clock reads 1.35
